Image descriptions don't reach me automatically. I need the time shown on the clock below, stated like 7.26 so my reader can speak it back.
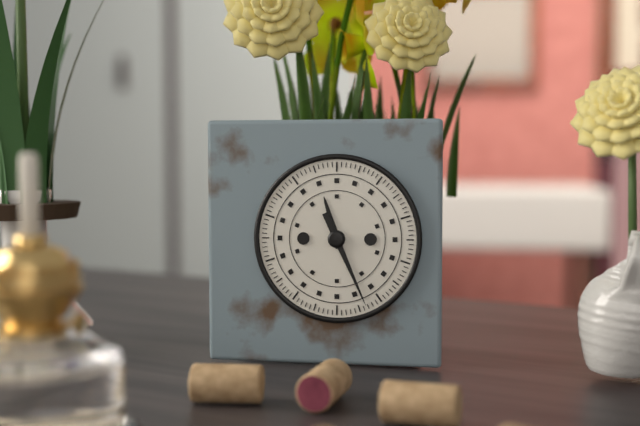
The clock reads 11.26
